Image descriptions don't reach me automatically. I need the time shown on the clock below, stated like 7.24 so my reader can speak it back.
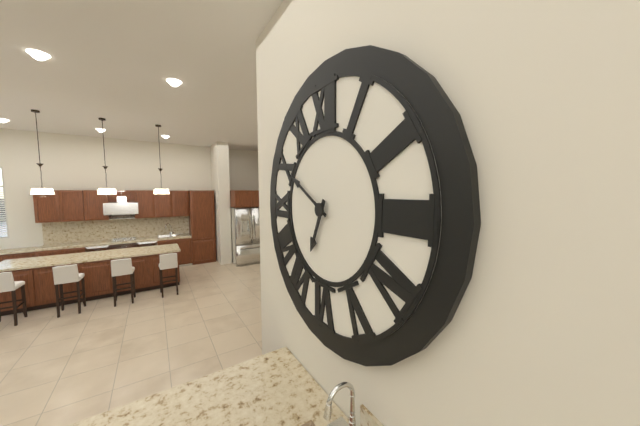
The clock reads 6.50
